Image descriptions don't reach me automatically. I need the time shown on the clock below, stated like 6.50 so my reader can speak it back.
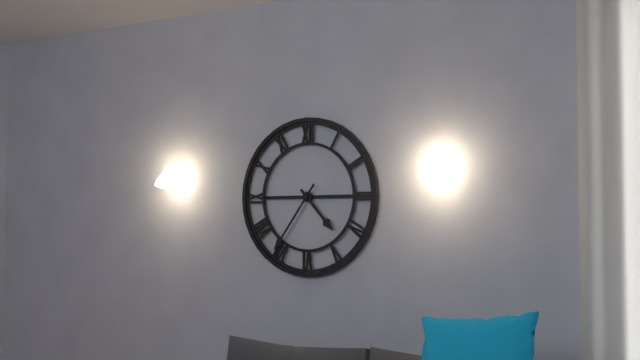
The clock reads 4.36
